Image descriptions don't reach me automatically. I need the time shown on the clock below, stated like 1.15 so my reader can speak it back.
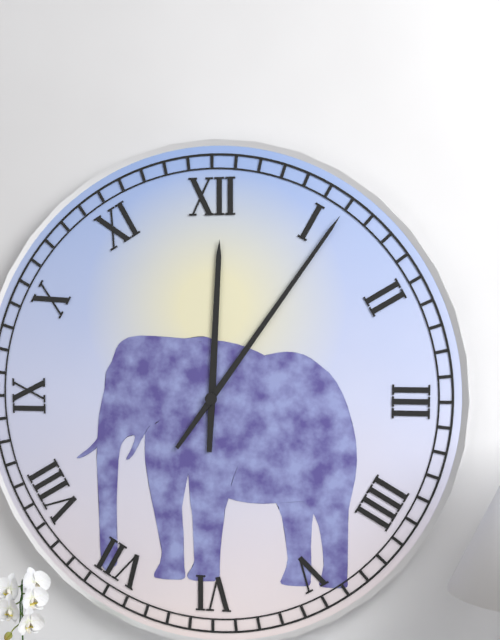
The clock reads 12.06
